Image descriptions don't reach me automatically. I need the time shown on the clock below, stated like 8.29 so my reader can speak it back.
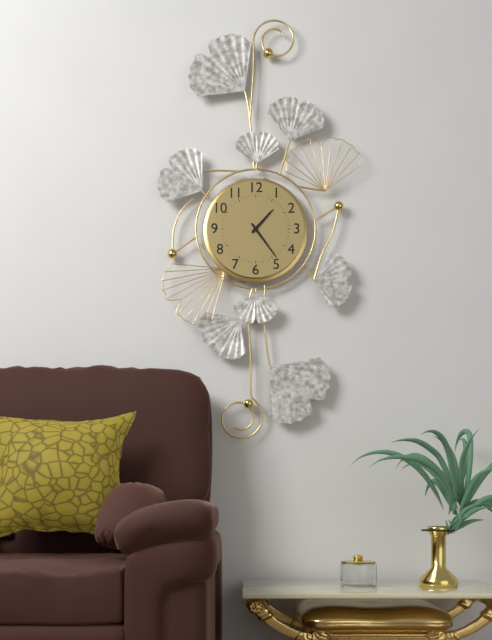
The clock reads 1.24
